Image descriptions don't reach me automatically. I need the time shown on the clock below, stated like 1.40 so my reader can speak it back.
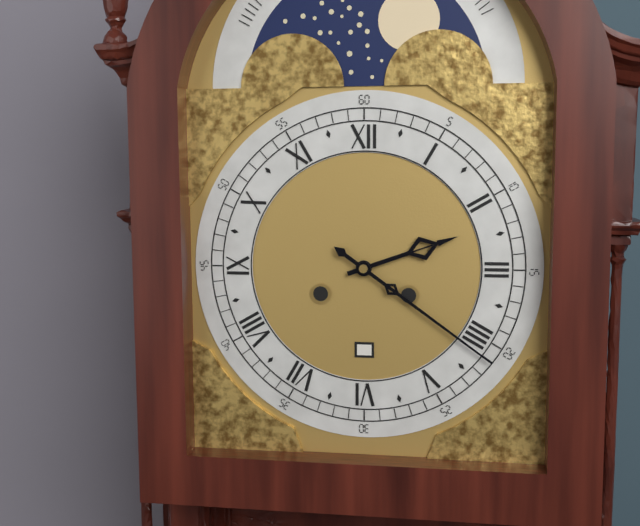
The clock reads 2.21
